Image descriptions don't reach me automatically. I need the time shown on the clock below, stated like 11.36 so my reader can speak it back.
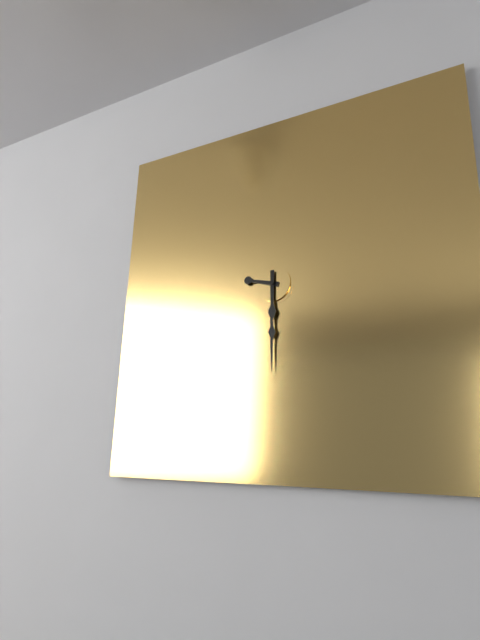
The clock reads 9.30
